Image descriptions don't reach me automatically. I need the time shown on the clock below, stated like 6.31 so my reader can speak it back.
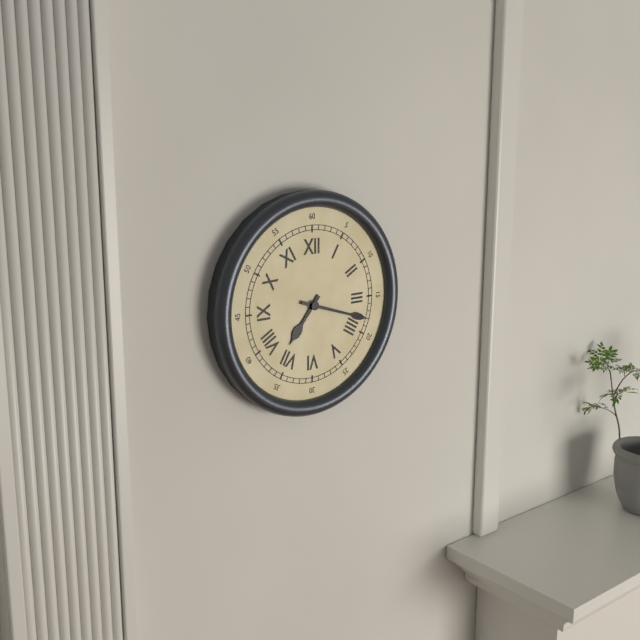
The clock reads 7.18
